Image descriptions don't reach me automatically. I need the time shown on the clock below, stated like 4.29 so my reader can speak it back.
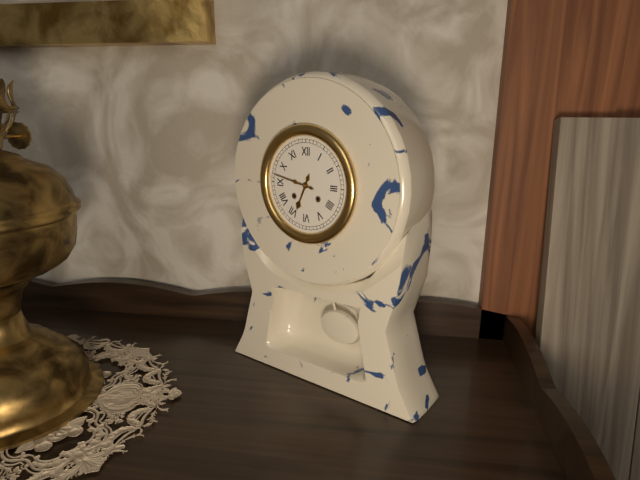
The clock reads 6.47
